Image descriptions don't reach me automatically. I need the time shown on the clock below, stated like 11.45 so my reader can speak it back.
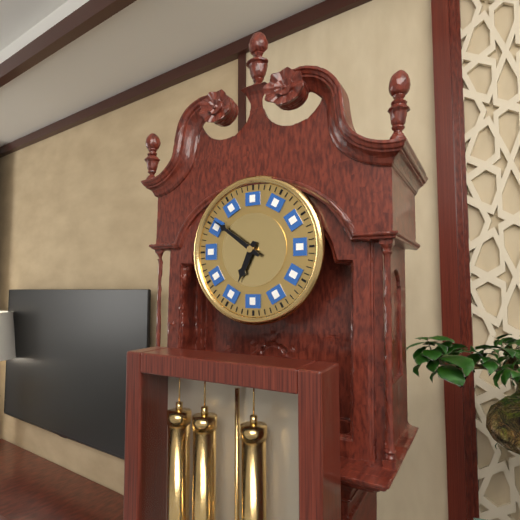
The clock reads 6.51
